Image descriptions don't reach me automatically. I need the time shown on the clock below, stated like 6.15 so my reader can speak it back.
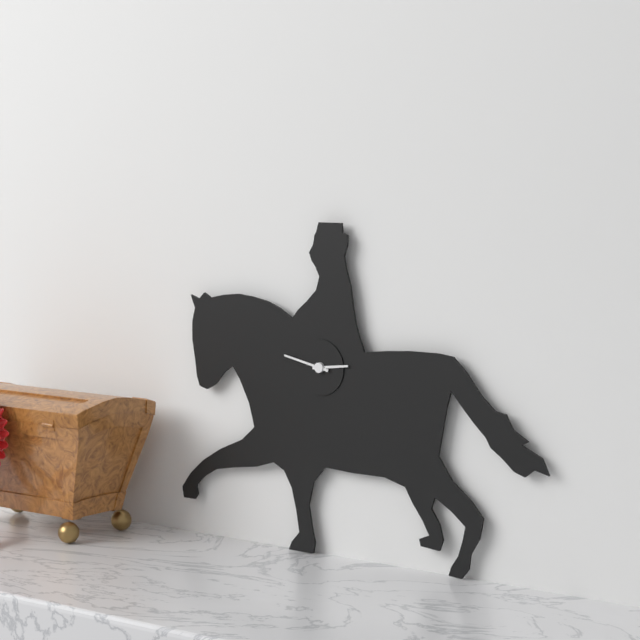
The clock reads 2.47
